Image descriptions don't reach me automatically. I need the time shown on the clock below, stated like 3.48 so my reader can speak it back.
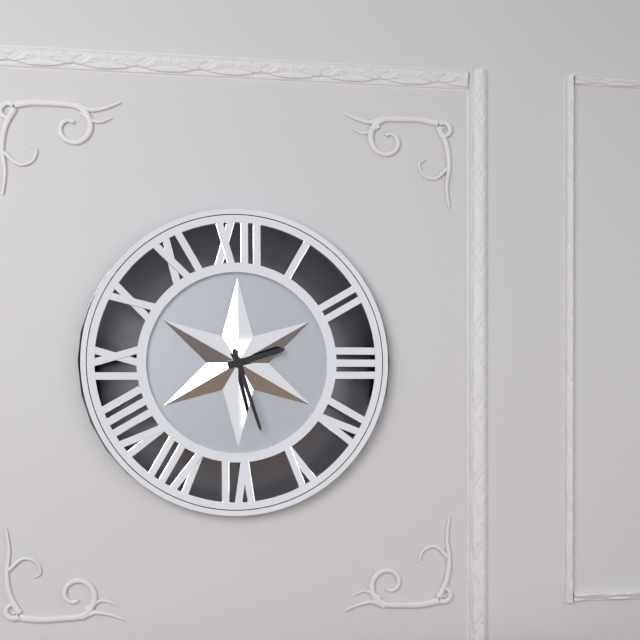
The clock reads 2.27
